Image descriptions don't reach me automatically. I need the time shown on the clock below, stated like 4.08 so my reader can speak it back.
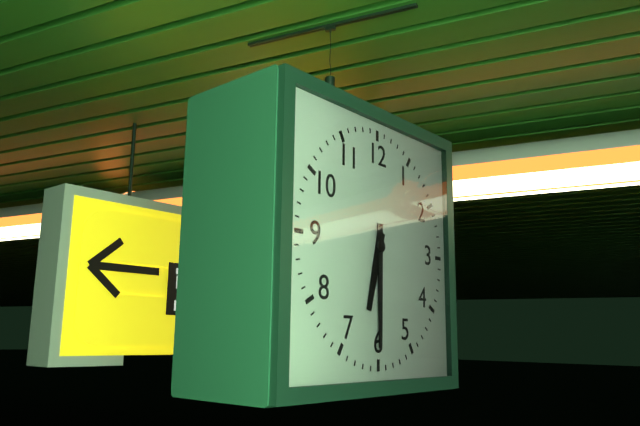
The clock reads 6.30
